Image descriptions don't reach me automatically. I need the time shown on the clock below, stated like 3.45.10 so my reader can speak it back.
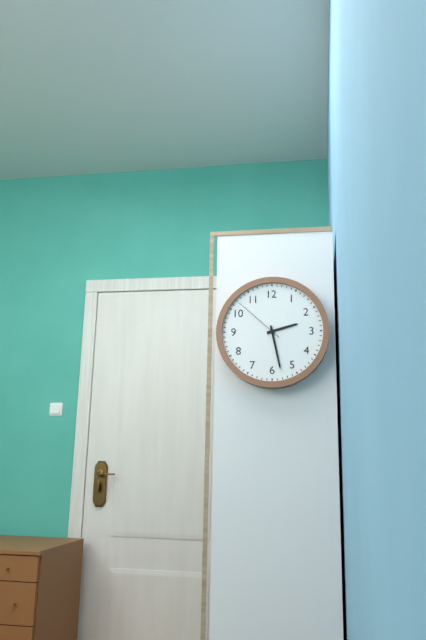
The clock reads 2.28.52
